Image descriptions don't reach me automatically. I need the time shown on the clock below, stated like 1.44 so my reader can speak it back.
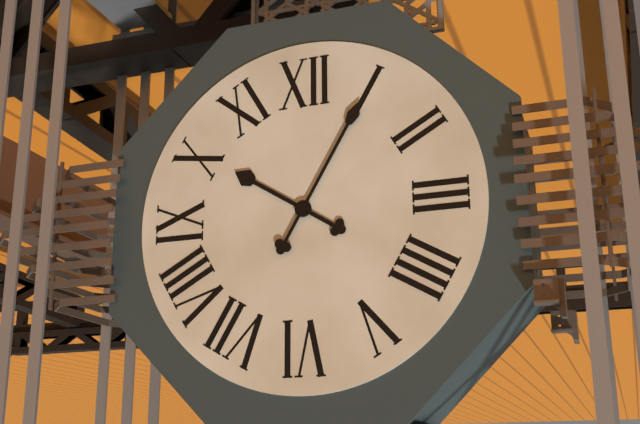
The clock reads 10.05
